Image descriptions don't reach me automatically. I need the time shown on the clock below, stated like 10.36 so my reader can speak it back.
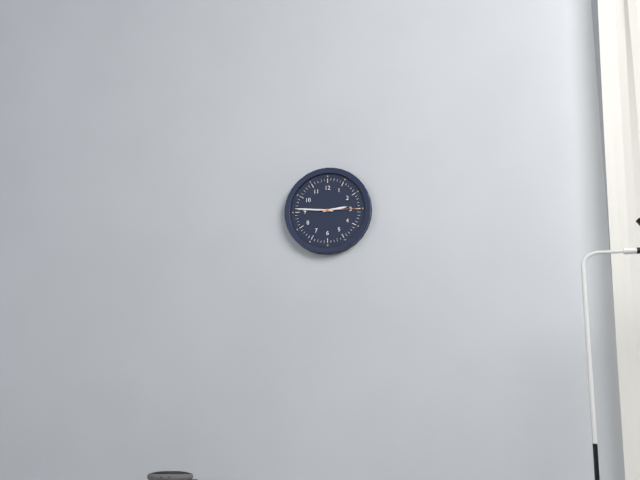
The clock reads 2.46
